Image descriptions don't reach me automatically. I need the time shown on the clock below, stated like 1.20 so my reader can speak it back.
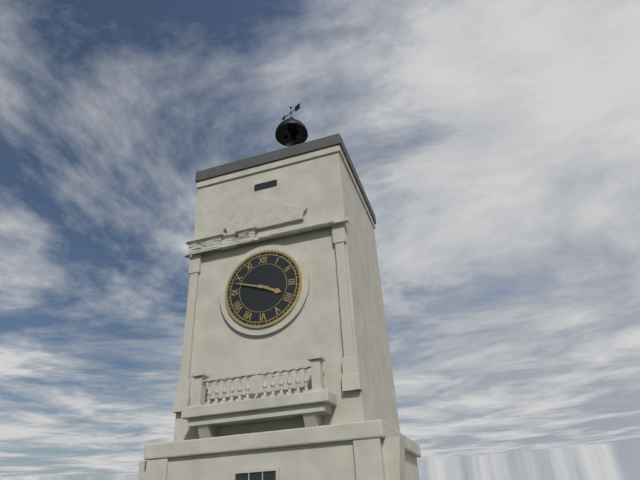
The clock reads 3.48
